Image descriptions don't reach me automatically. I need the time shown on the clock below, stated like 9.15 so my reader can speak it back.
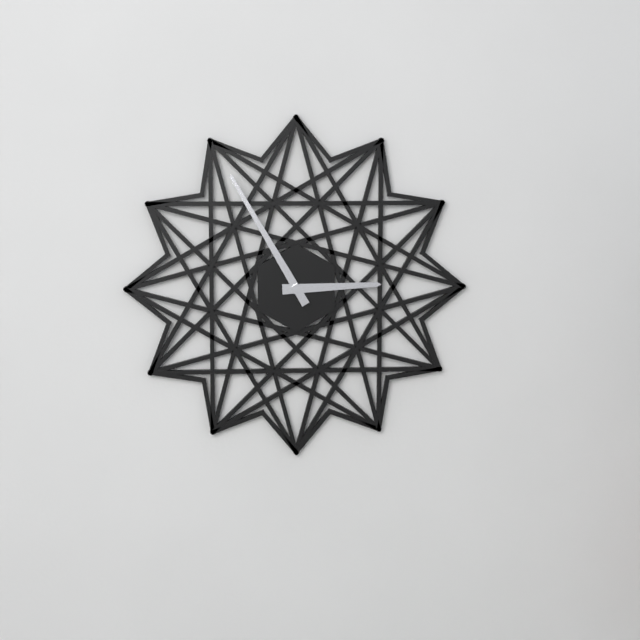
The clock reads 2.55
